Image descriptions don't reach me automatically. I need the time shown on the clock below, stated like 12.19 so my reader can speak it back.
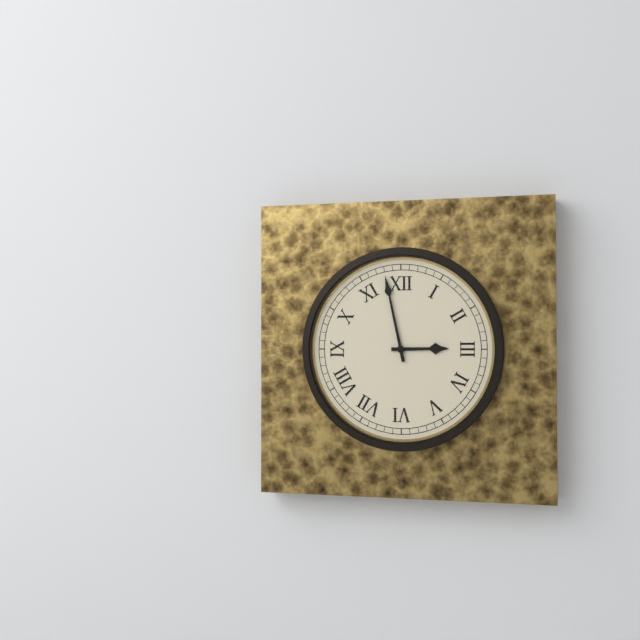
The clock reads 2.58
